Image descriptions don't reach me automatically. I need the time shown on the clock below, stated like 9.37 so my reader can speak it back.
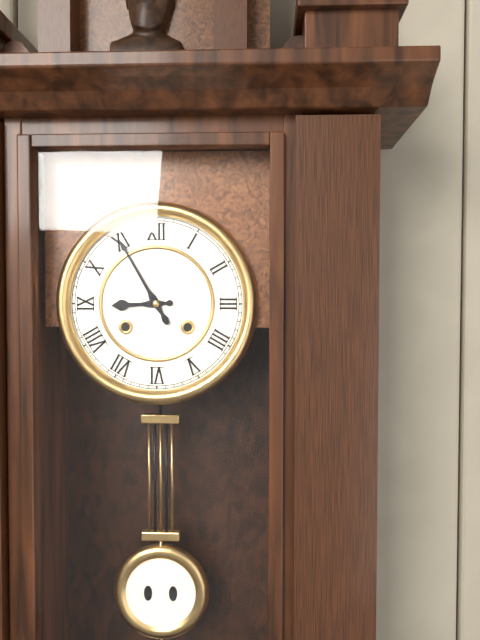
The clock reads 8.55
